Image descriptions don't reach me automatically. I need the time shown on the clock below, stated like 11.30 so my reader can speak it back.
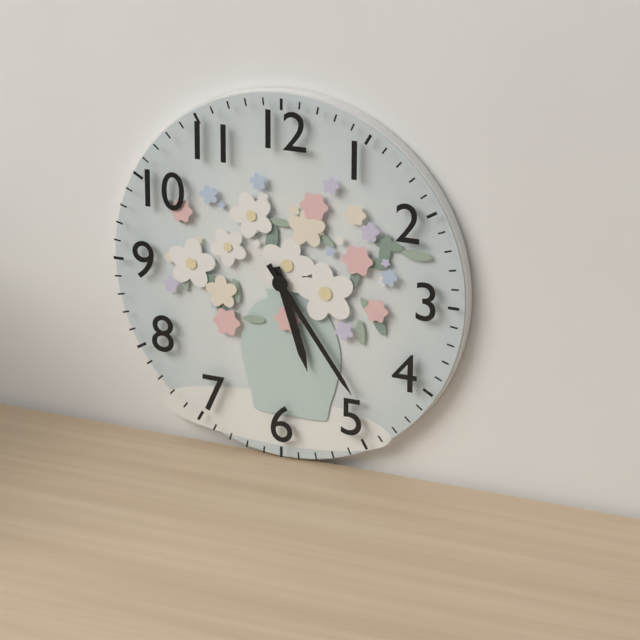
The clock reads 5.24
